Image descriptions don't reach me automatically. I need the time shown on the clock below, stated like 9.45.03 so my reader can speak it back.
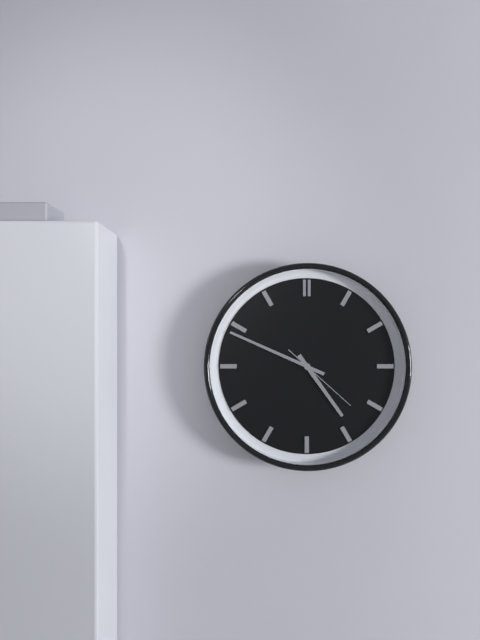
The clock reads 4.49.22
